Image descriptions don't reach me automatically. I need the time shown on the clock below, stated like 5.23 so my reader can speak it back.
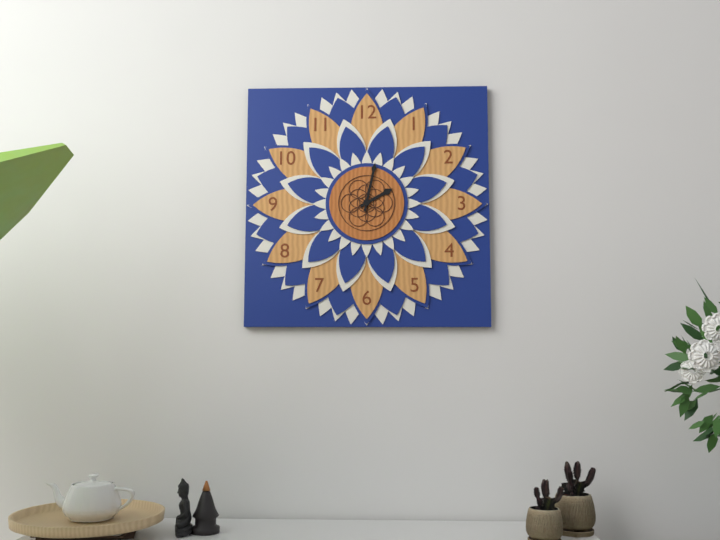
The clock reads 2.02
